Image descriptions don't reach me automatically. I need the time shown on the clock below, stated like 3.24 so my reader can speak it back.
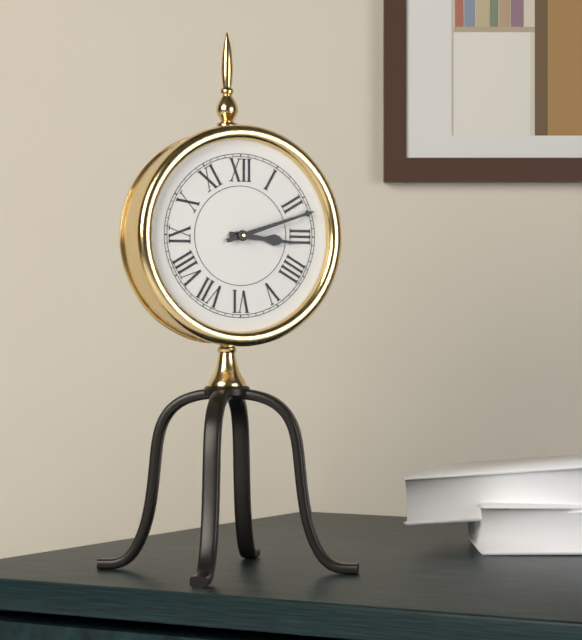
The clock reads 3.12
